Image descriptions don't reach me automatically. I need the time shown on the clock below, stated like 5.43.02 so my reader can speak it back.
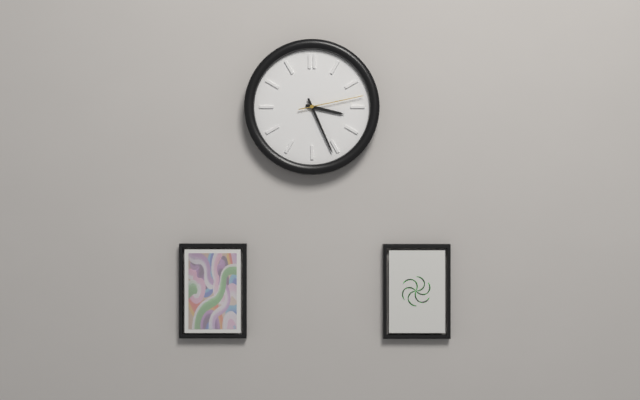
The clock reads 3.26.13
